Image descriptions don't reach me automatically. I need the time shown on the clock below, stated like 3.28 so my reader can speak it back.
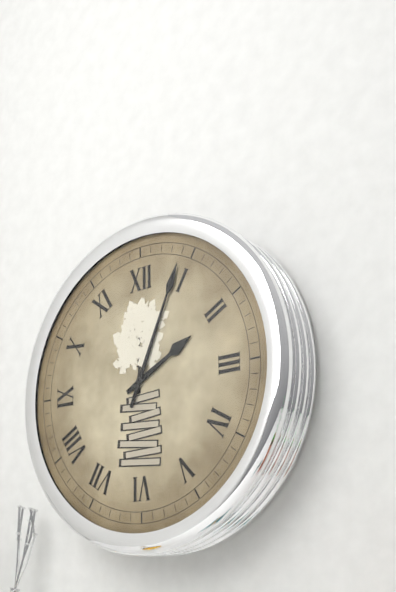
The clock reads 2.04
